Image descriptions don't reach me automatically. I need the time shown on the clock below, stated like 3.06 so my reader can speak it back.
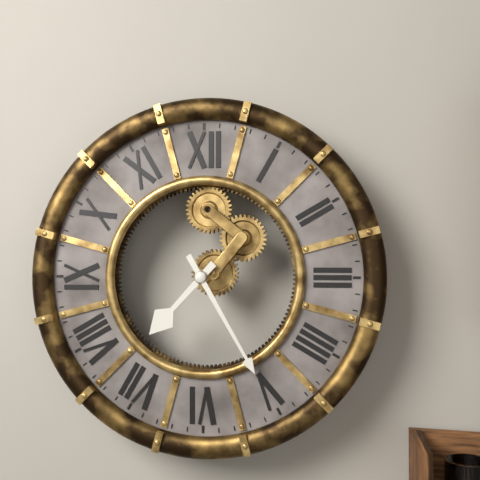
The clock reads 7.25
